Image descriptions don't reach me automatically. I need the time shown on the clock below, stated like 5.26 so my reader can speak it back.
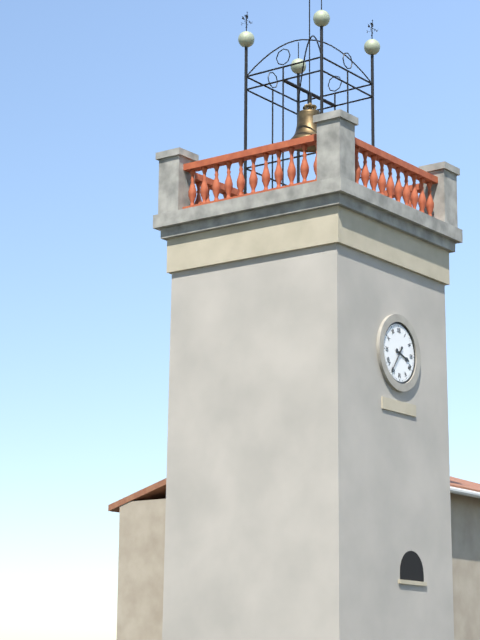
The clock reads 3.36
